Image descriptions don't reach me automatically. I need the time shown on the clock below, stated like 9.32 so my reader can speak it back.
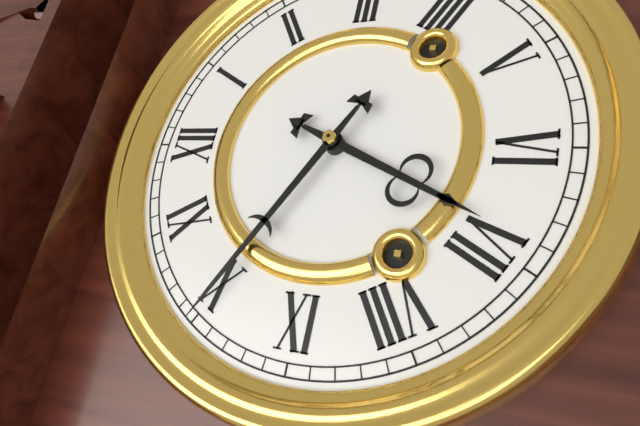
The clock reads 6.50
